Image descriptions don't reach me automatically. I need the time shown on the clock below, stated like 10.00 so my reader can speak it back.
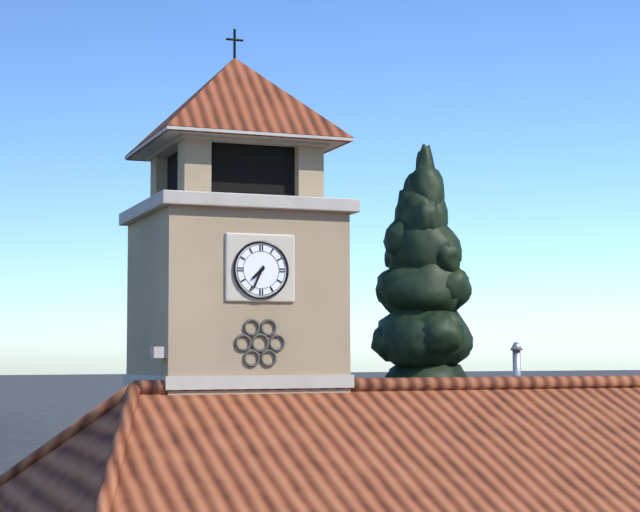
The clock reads 7.34
